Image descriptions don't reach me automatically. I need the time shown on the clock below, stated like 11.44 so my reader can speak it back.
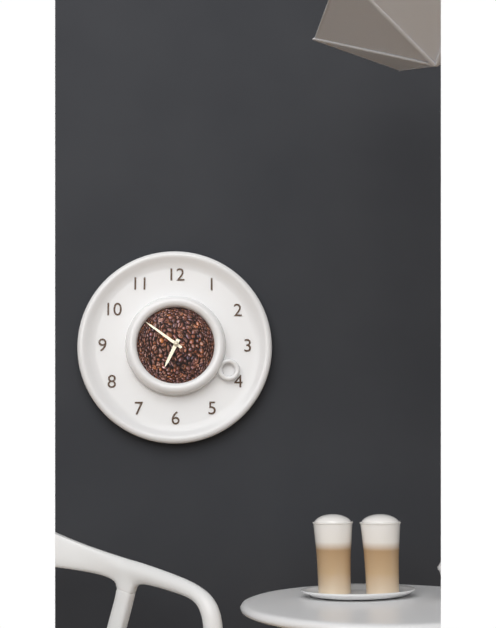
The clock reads 6.51
